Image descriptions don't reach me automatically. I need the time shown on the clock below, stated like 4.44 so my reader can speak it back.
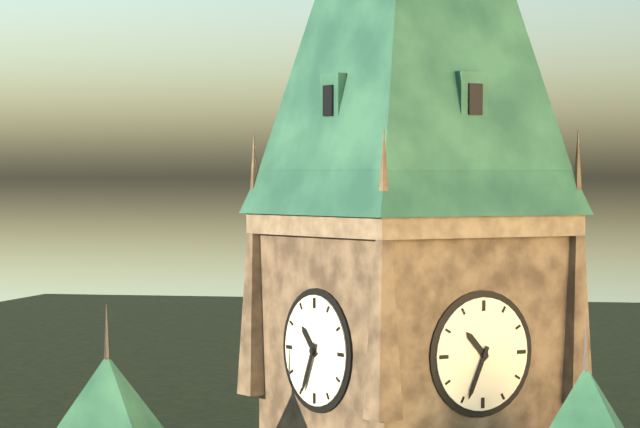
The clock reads 10.34
